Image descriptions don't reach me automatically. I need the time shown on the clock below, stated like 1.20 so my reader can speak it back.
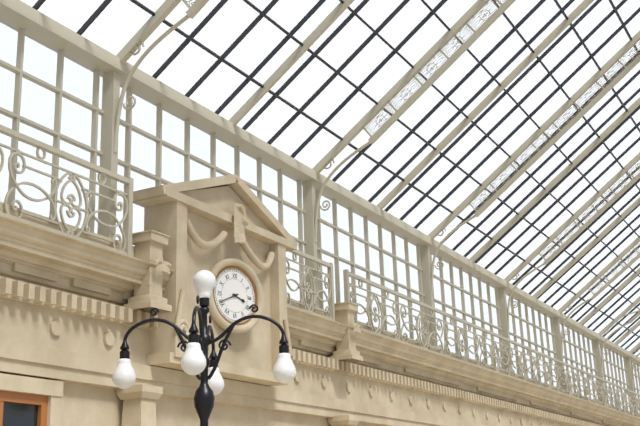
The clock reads 3.41
